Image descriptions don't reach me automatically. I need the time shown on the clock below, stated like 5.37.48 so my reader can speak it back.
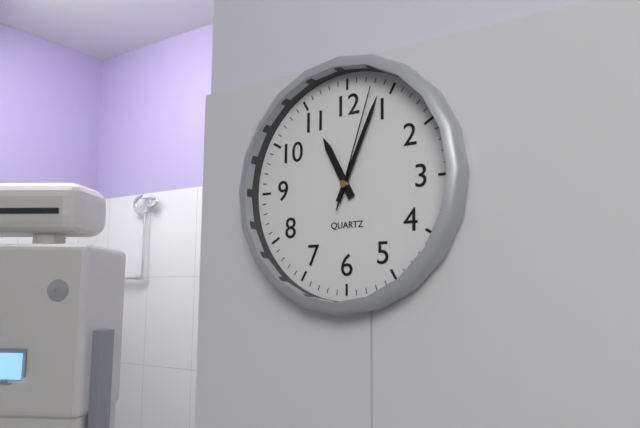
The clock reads 11.04.03
